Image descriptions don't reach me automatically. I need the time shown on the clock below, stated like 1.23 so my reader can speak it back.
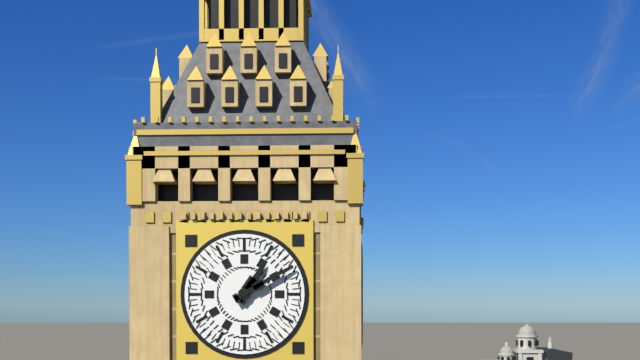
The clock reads 1.10
